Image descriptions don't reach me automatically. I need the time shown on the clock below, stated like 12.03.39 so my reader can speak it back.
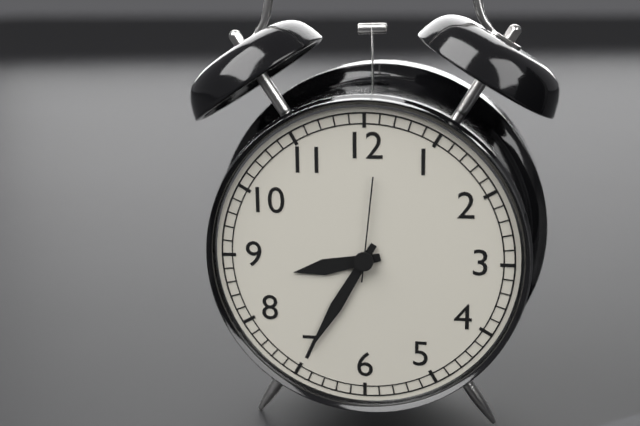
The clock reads 8.35.01
